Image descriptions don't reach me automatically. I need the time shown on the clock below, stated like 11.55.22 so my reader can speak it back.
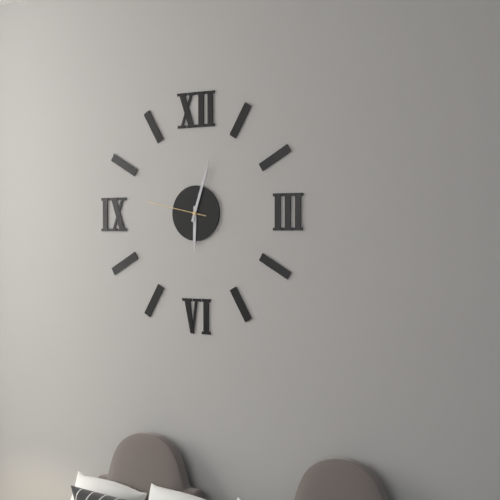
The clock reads 6.03.47
